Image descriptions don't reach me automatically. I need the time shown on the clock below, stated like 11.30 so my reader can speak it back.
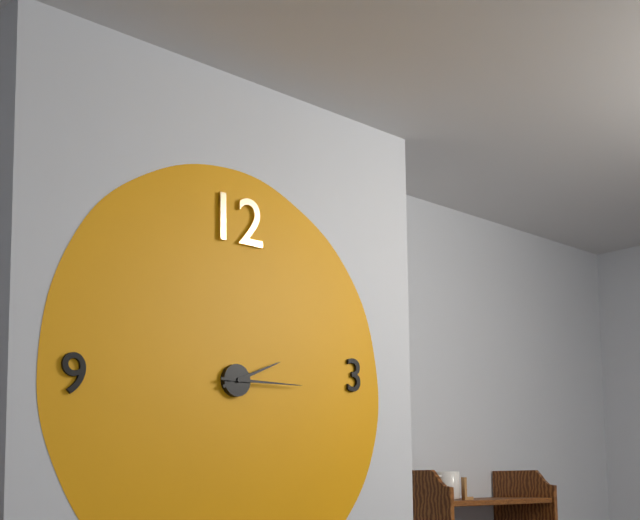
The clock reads 2.15
